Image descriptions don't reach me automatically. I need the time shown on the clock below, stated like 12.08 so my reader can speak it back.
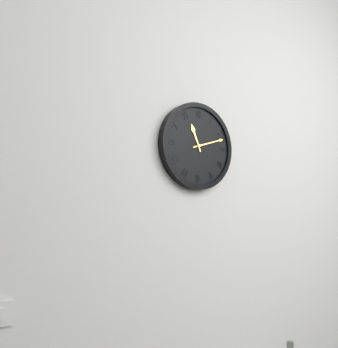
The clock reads 11.12
